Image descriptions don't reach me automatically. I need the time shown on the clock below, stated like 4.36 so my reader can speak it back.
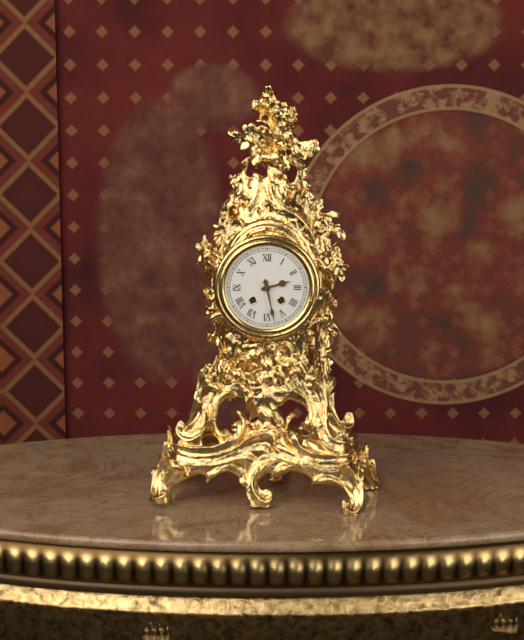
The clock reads 2.28
